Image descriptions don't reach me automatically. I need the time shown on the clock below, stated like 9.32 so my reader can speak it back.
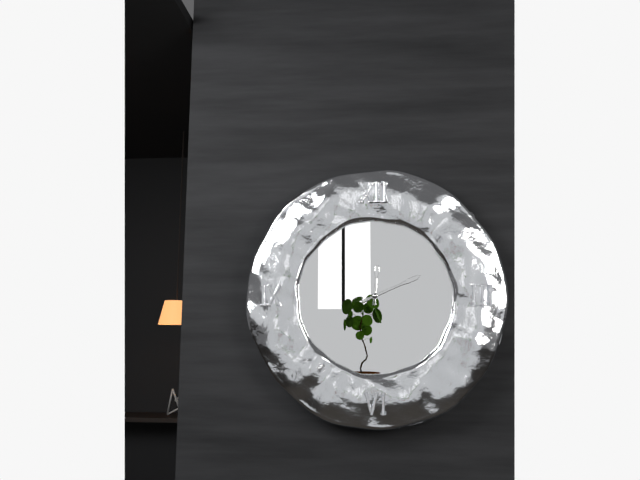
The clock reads 12.11
